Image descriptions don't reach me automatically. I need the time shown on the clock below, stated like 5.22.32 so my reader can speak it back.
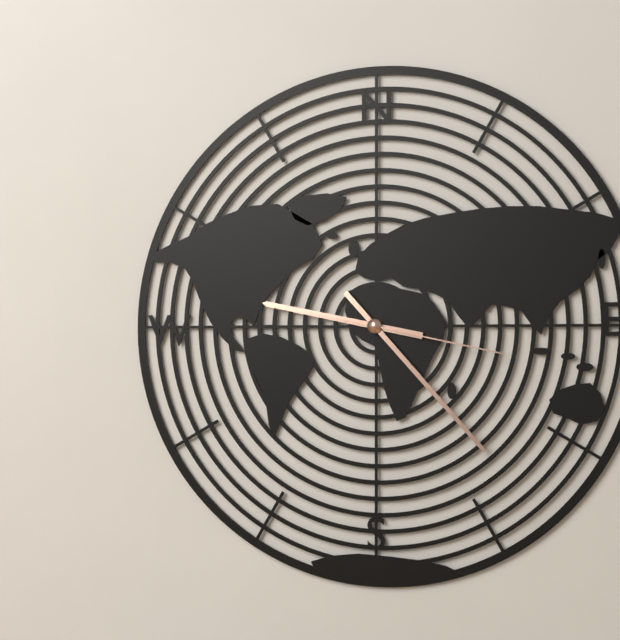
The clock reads 9.23.17
